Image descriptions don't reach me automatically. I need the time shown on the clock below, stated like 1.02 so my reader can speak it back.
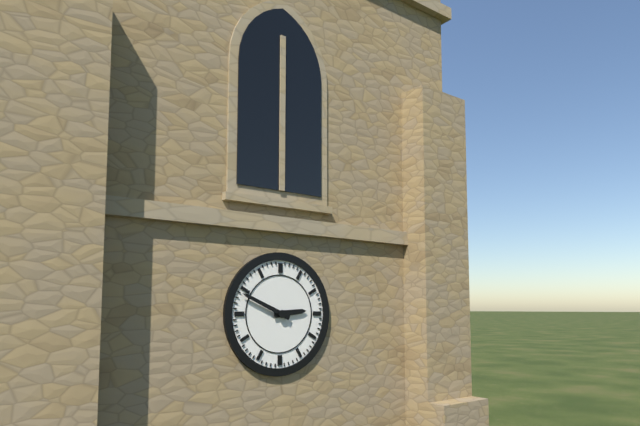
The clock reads 2.49
